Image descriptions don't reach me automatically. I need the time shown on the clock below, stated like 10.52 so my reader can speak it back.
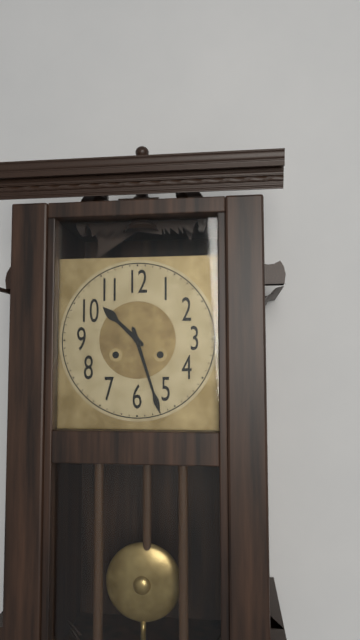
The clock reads 10.27
